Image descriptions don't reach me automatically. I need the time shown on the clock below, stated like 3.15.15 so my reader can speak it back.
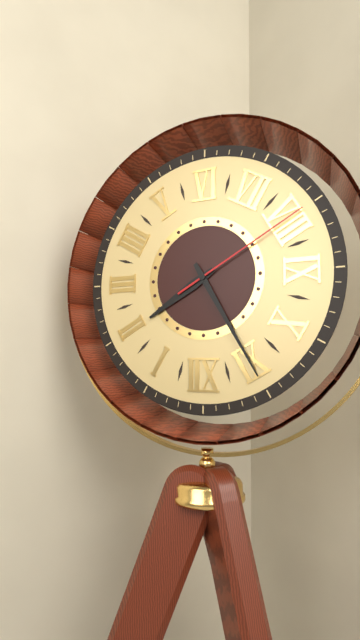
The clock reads 1.55.40
